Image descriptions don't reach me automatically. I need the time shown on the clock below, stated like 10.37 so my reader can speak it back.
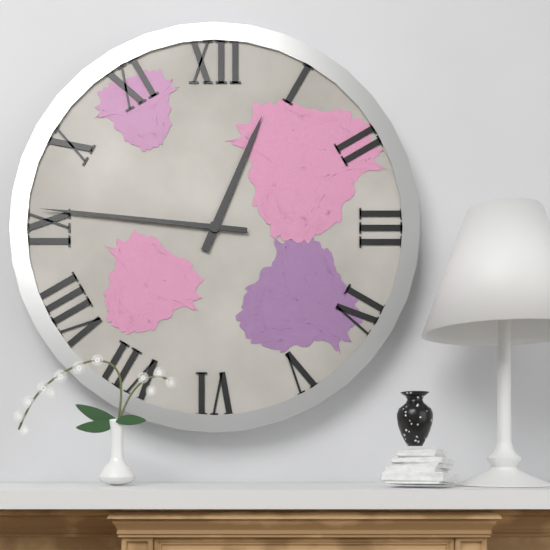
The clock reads 12.46
